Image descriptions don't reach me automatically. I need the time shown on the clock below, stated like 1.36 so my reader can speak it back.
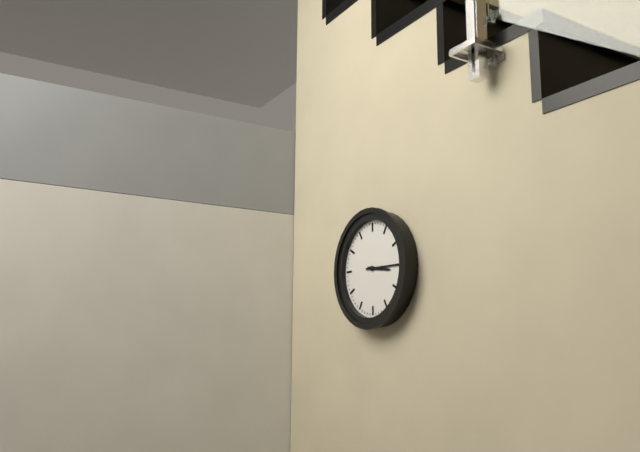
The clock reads 3.15
